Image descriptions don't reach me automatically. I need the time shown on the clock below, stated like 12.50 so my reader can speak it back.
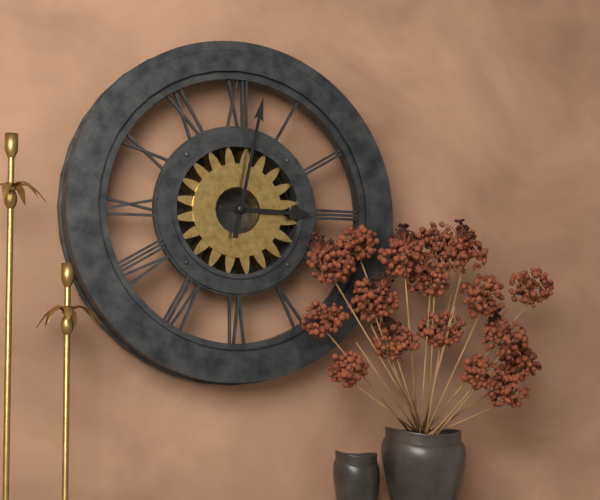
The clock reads 3.02
